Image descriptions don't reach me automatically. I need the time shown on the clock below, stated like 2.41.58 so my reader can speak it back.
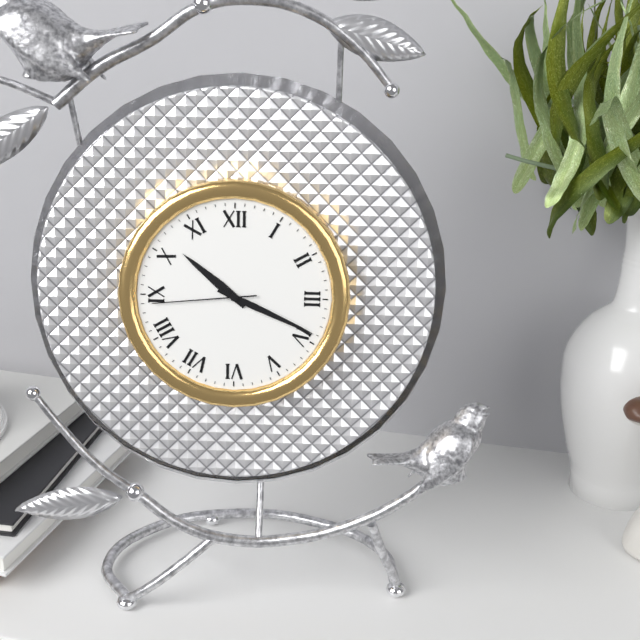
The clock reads 10.19.44
